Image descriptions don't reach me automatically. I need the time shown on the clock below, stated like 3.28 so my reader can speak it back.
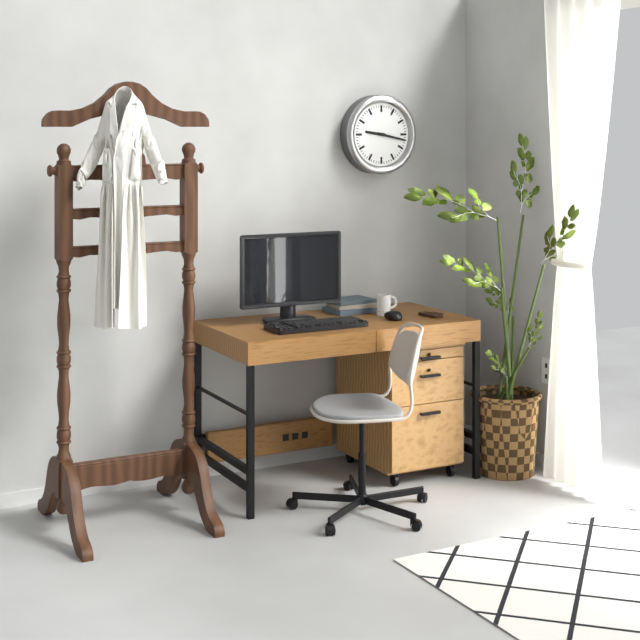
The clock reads 9.17
